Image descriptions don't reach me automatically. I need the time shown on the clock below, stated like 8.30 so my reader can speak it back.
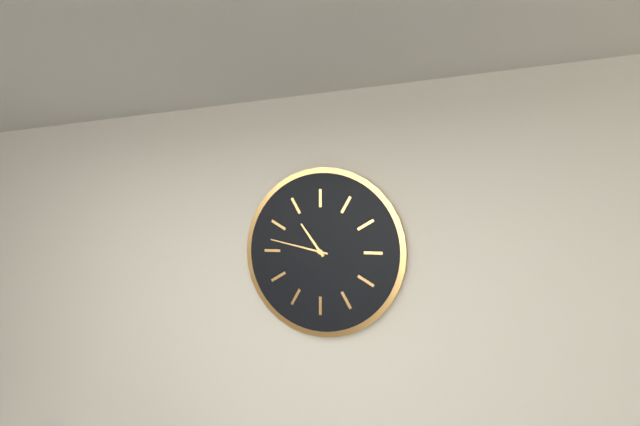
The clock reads 10.47
